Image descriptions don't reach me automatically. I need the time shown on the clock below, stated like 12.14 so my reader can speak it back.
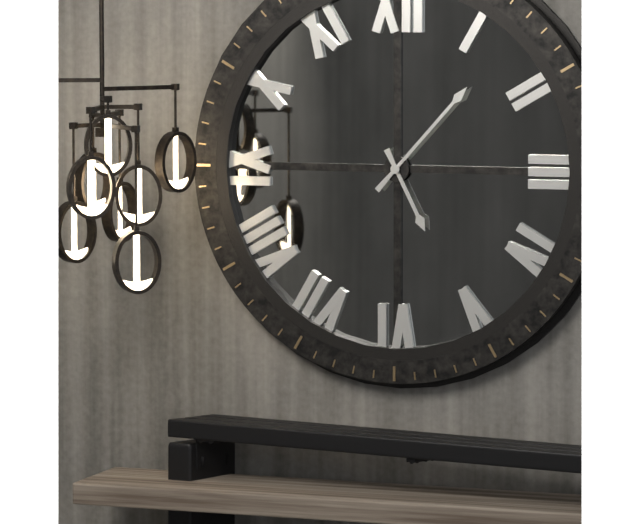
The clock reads 5.07
